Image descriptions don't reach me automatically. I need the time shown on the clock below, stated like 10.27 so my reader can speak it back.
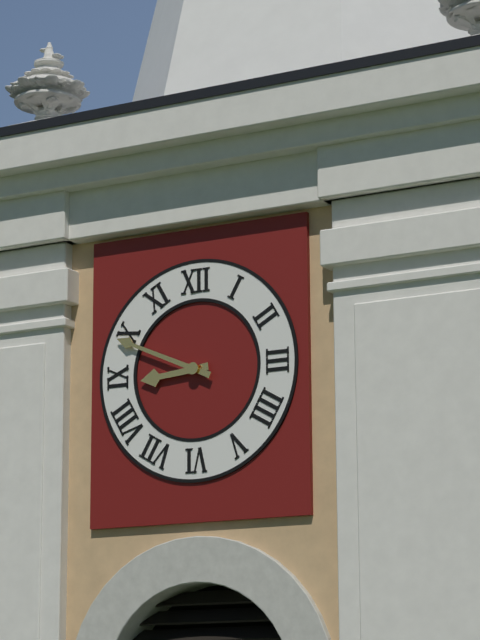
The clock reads 8.49
